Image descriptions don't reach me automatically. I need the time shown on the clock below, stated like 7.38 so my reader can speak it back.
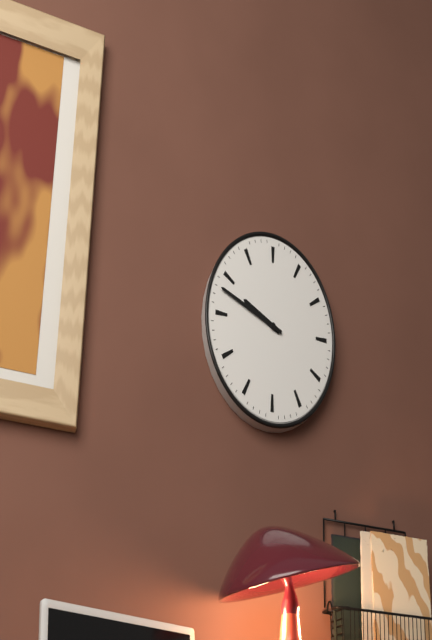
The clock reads 9.48
